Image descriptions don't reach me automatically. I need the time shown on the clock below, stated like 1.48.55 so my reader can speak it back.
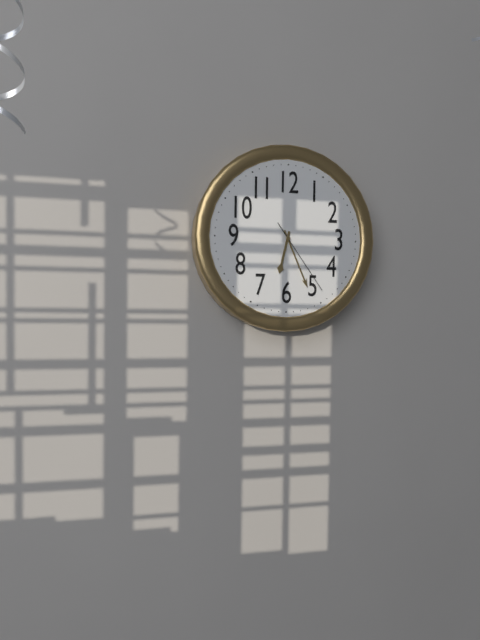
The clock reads 6.26.24
